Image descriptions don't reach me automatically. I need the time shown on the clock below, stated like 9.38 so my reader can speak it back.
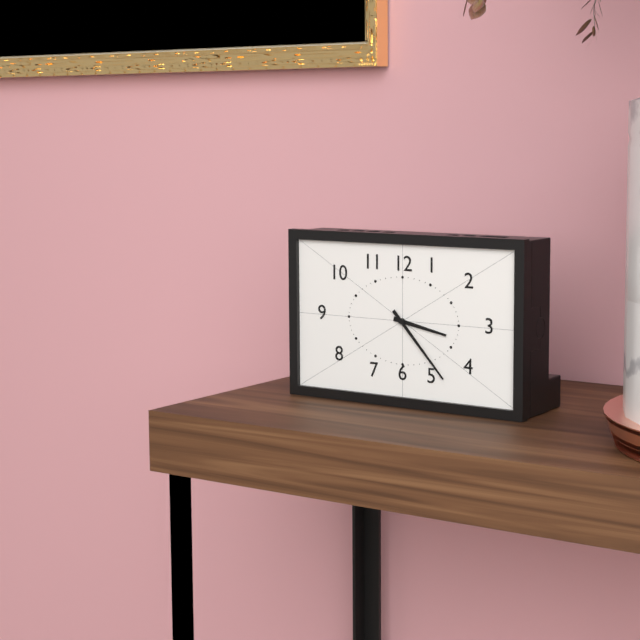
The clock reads 3.23
